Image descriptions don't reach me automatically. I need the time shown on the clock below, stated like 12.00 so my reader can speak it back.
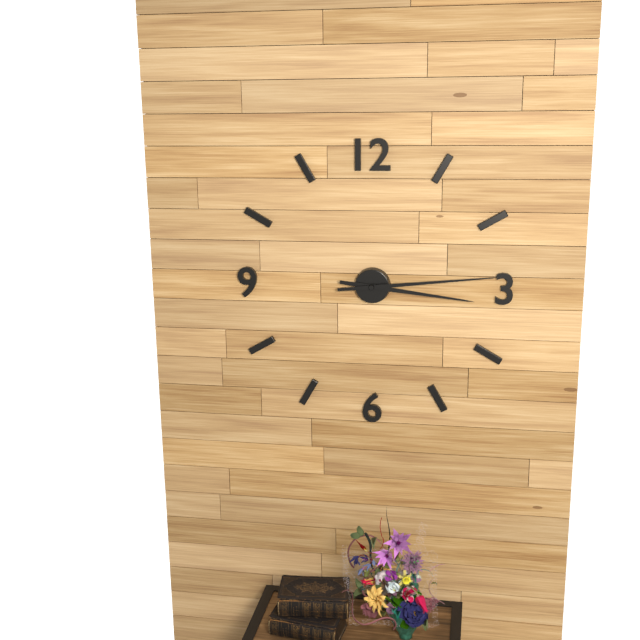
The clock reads 3.14
